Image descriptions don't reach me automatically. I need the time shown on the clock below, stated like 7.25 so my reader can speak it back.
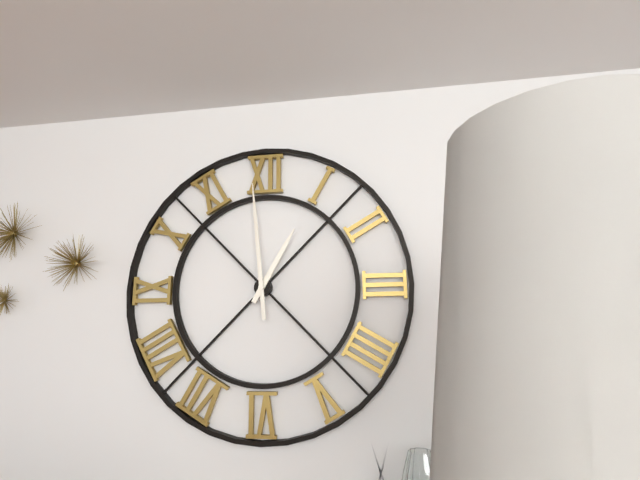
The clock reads 12.59
